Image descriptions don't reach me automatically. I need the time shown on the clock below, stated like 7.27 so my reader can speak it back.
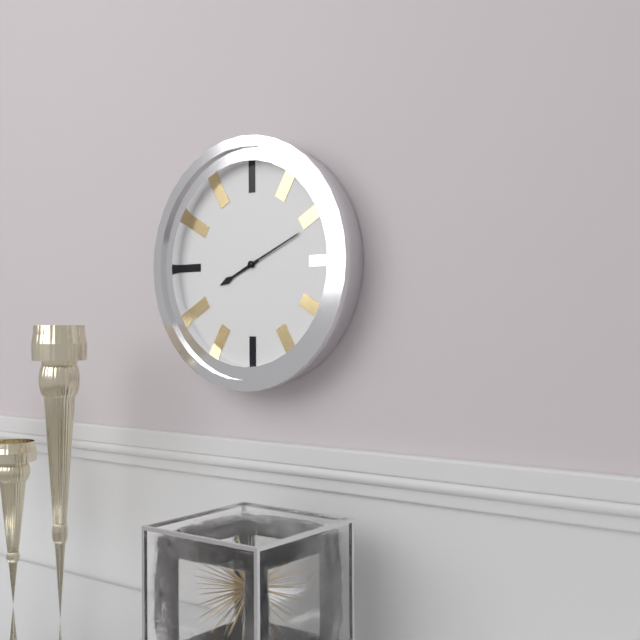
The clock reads 8.11
